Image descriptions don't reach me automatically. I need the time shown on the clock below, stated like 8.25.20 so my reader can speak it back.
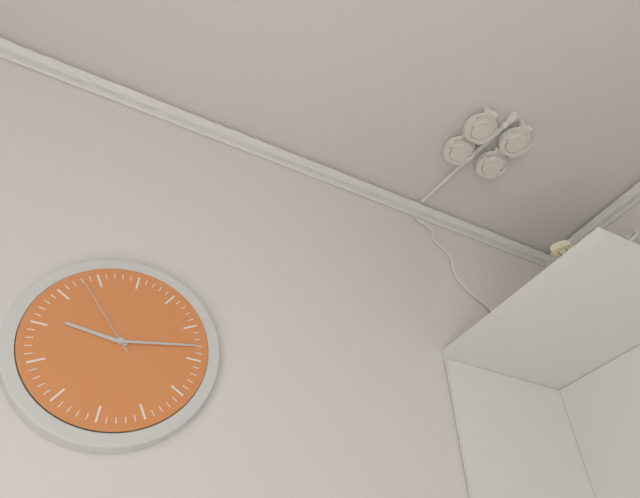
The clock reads 9.13.53
